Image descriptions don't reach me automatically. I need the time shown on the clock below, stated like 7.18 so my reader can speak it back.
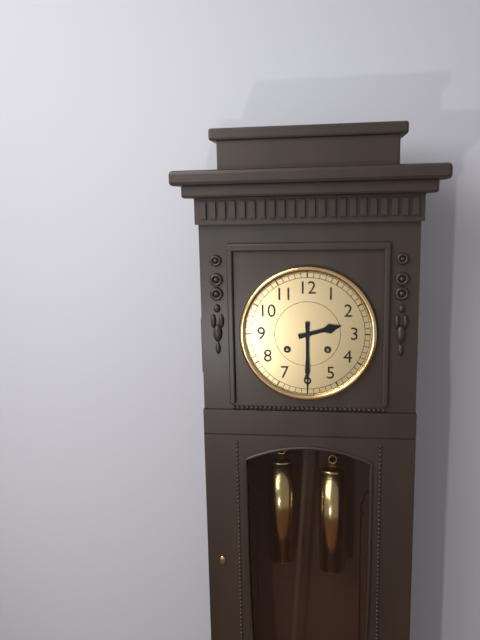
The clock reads 2.30
